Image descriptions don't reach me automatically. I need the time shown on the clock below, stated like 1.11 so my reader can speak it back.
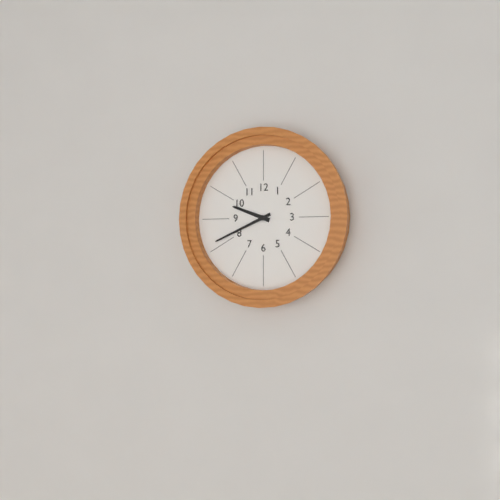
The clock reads 9.41
